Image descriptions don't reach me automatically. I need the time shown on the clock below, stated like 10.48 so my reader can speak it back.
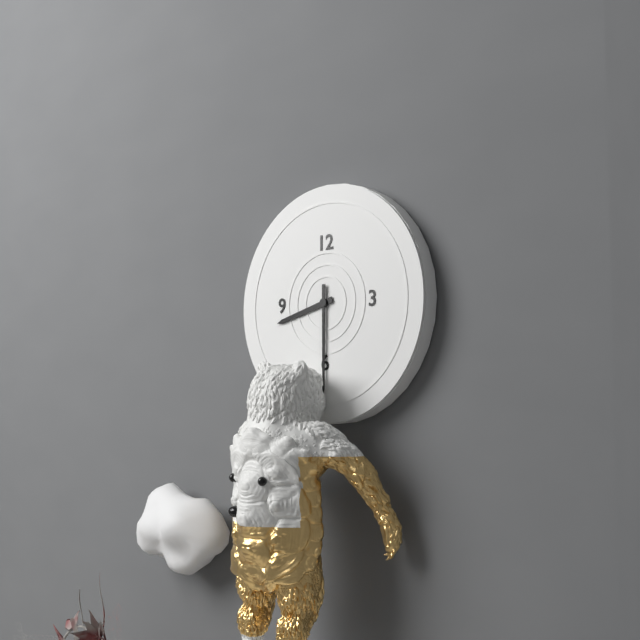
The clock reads 8.30
